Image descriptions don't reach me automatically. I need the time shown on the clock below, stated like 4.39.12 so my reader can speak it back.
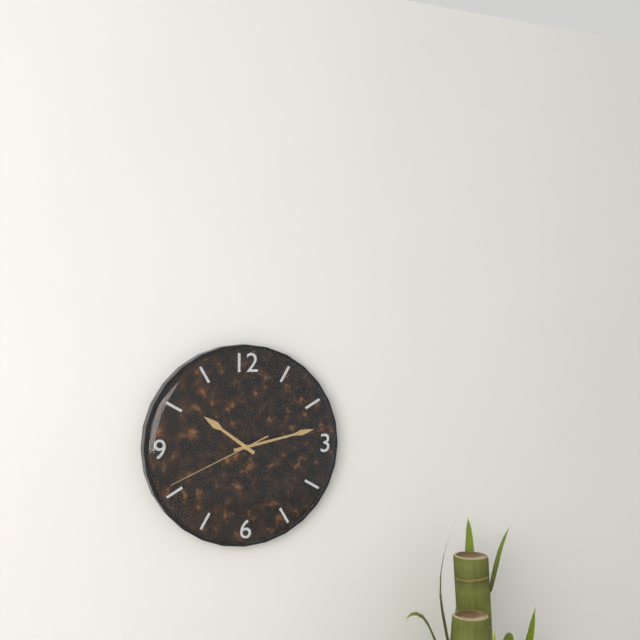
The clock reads 10.13.41
